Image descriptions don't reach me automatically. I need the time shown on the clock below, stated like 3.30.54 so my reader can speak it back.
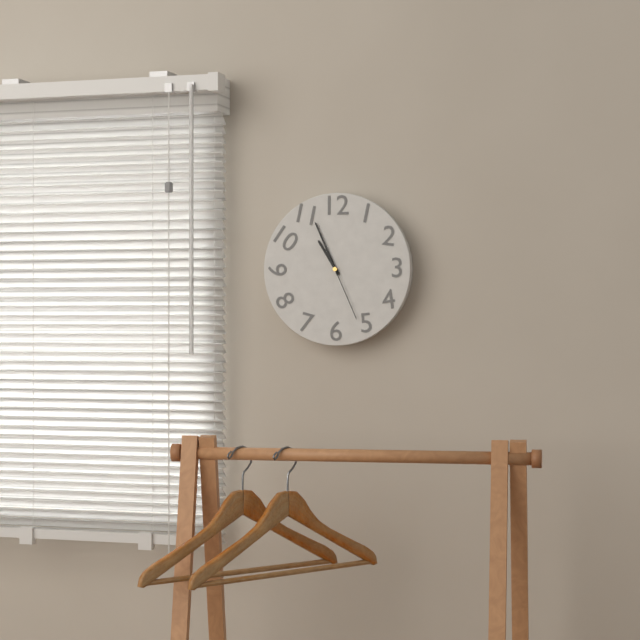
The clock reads 10.56.26
